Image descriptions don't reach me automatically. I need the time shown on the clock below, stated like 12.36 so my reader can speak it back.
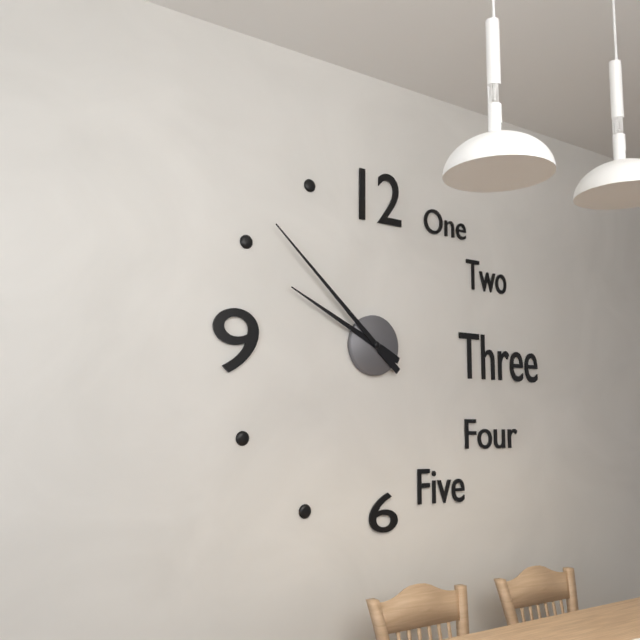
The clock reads 9.52
